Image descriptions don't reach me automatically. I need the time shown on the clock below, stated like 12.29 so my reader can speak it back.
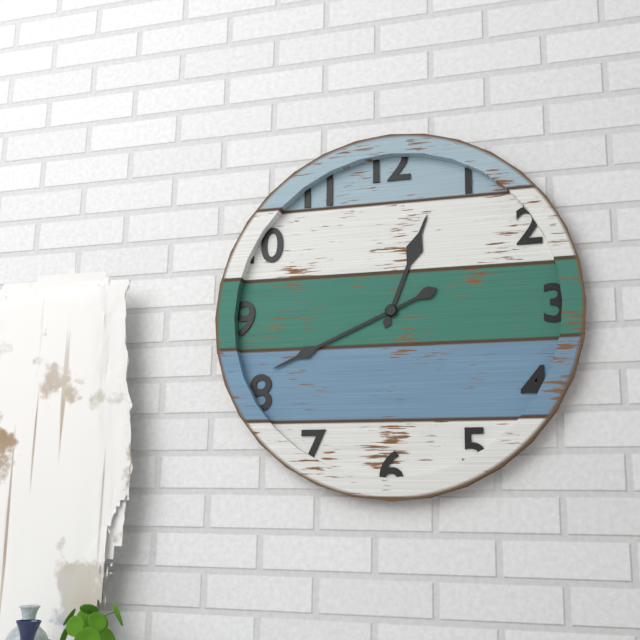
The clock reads 12.41
